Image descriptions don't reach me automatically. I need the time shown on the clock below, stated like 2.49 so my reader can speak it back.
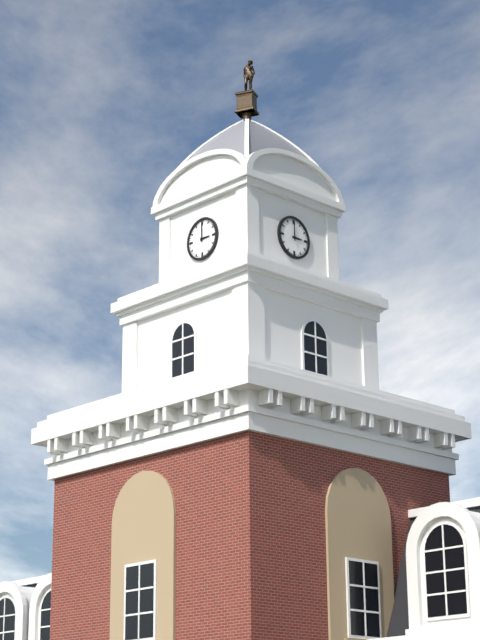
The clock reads 3.00
